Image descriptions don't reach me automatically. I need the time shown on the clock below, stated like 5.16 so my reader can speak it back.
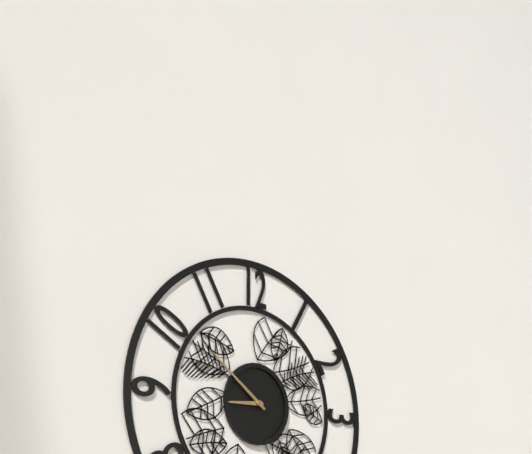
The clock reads 8.51
